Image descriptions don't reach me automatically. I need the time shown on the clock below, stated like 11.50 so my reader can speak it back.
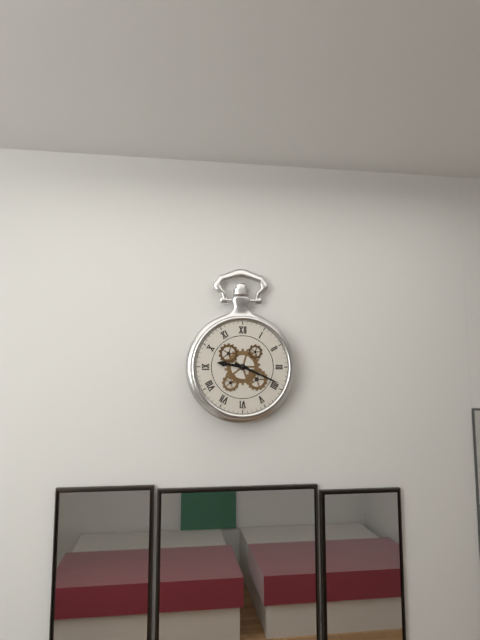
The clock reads 9.19
